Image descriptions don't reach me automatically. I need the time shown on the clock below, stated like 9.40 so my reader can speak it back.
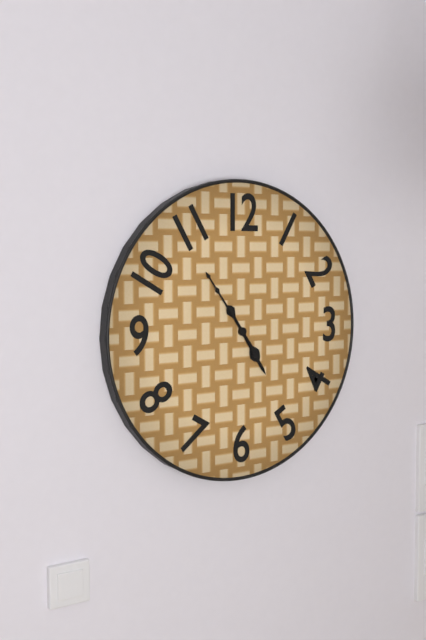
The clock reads 4.54
